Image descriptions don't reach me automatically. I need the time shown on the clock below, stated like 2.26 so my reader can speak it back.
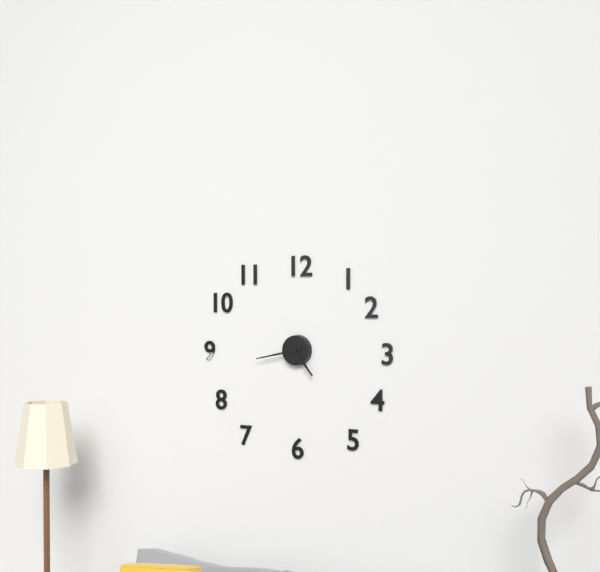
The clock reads 4.43
